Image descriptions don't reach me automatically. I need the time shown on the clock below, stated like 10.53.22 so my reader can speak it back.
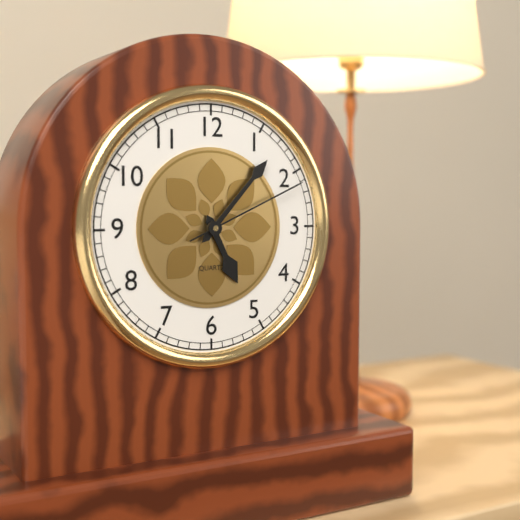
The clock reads 5.07.11
